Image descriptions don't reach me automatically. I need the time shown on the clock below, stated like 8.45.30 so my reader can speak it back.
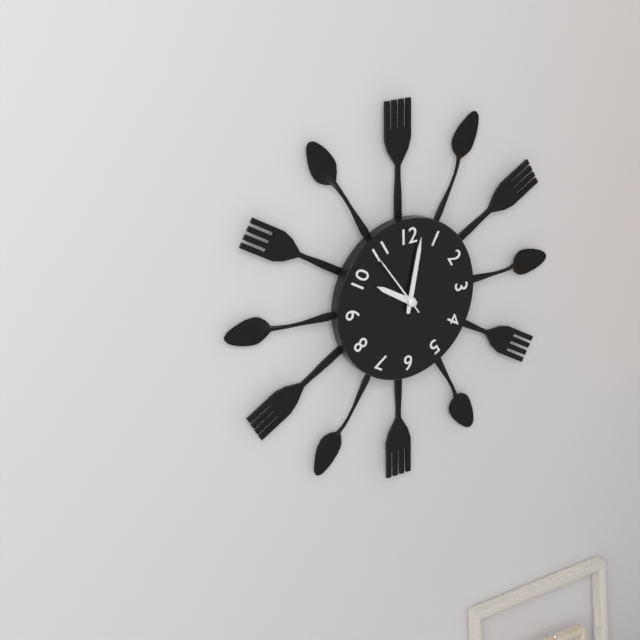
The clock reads 10.02.54
